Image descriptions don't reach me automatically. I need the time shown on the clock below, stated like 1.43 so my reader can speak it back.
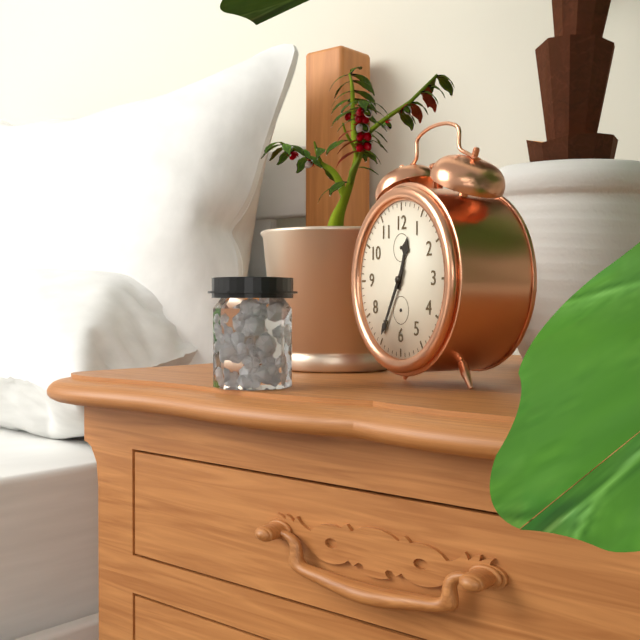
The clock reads 12.35
